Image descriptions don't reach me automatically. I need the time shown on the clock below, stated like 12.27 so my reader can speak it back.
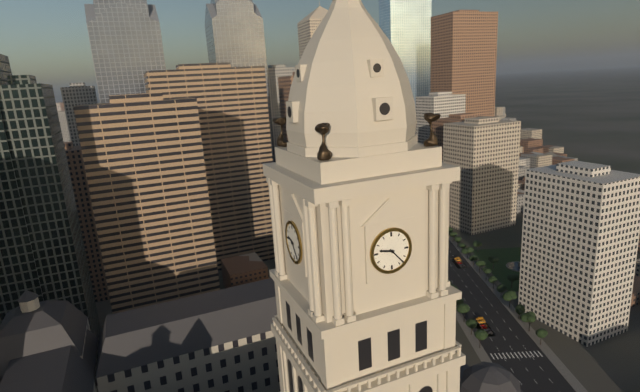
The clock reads 9.23
